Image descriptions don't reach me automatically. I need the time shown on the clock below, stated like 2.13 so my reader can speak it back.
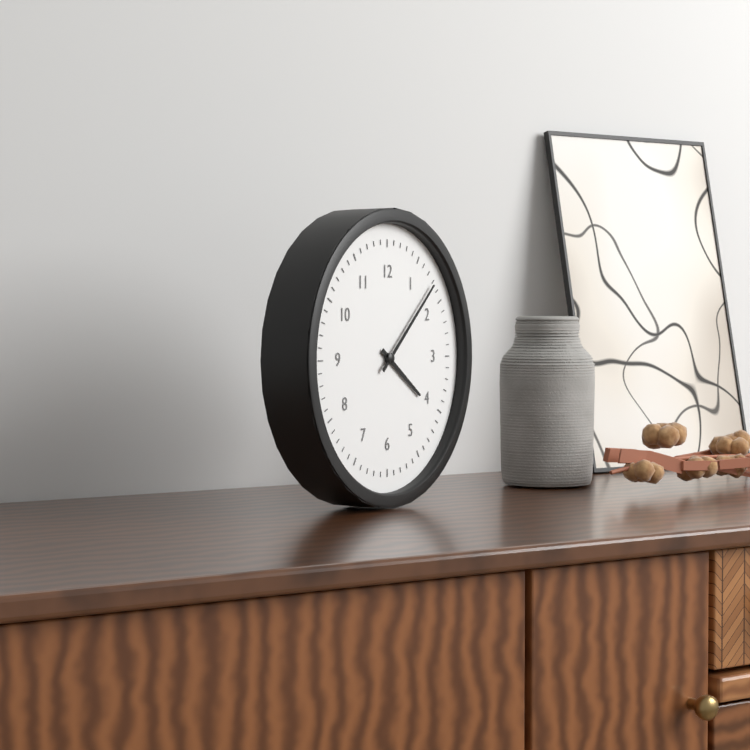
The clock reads 4.08
